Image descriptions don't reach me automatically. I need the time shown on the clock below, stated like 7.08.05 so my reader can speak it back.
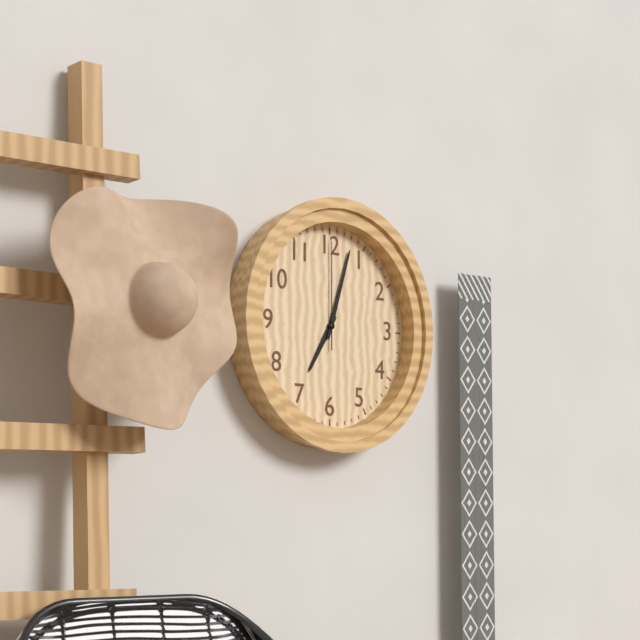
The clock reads 7.03.00
